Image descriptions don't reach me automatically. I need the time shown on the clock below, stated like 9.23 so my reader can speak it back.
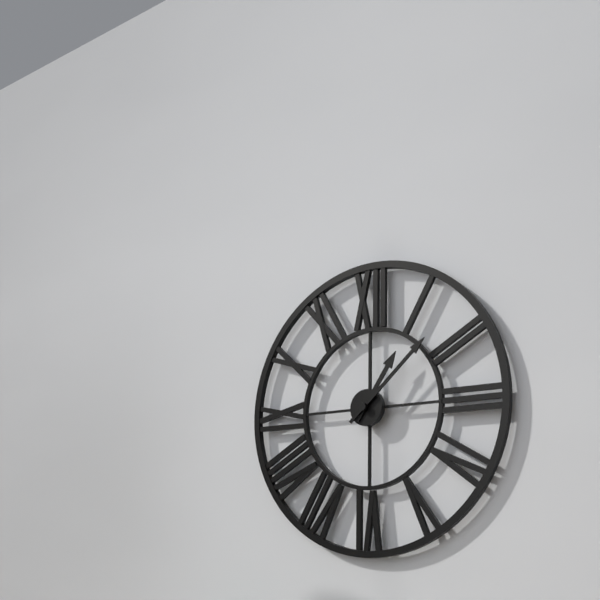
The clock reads 1.08
